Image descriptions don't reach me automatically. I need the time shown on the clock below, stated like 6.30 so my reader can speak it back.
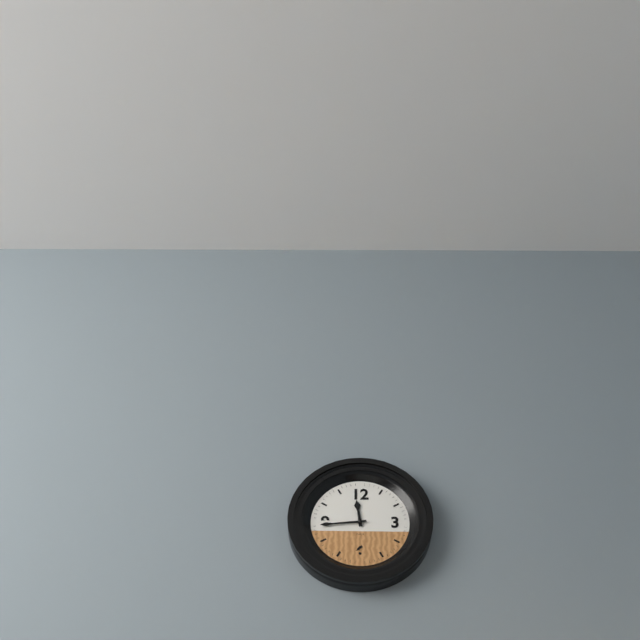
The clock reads 11.44
